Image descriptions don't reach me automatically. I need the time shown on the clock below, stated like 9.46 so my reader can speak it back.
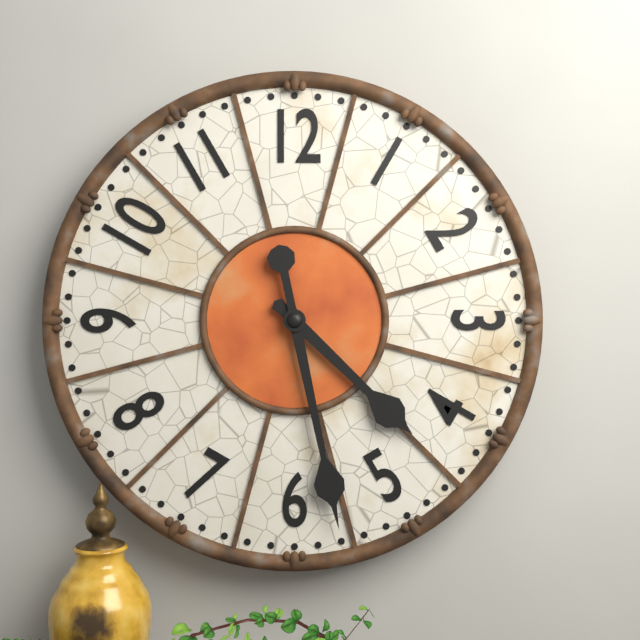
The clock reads 4.28
